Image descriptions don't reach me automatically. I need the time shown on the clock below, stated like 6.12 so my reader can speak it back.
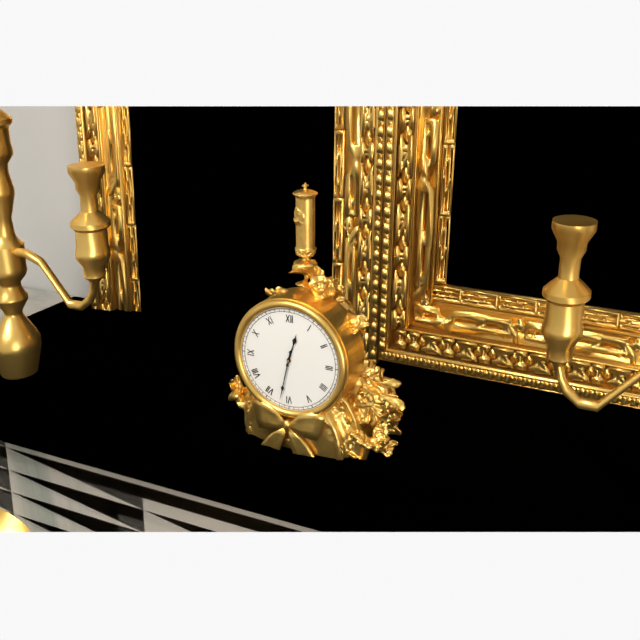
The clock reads 12.32
